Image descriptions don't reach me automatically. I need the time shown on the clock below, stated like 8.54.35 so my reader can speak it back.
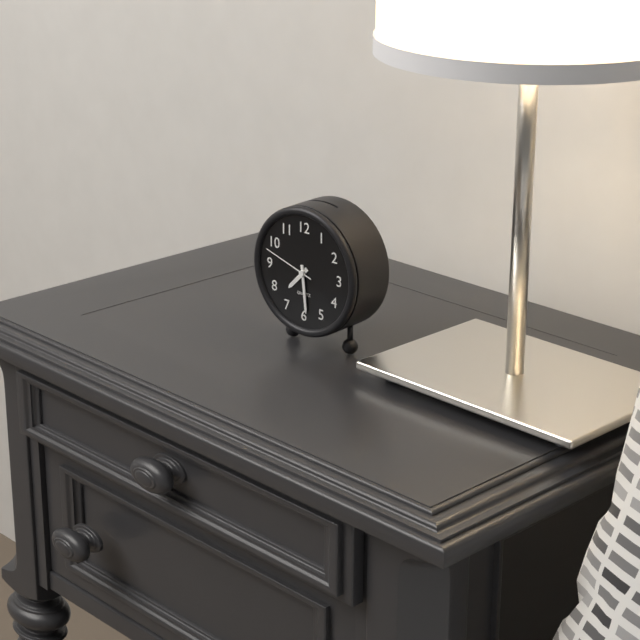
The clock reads 7.29.48
